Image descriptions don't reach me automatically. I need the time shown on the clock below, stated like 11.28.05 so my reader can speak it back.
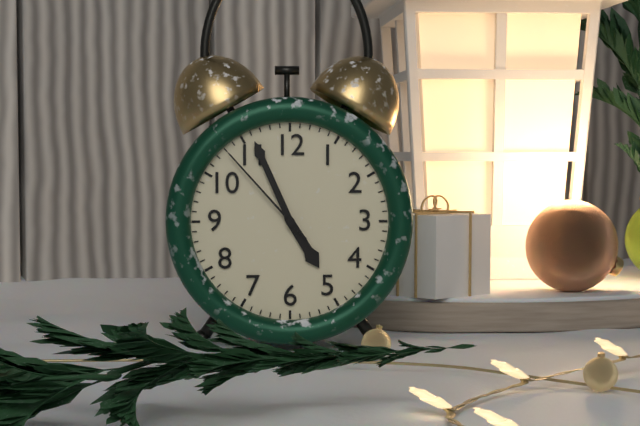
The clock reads 4.56.53
